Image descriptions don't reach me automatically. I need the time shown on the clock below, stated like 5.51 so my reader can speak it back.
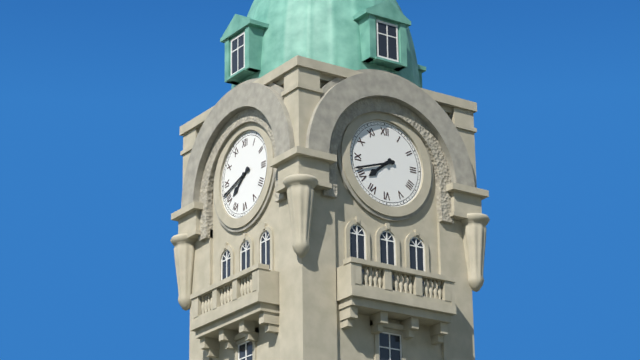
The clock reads 7.42
